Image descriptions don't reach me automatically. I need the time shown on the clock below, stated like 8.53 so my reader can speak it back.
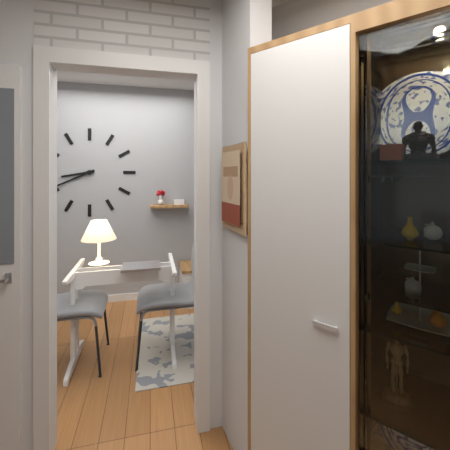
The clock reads 8.41
